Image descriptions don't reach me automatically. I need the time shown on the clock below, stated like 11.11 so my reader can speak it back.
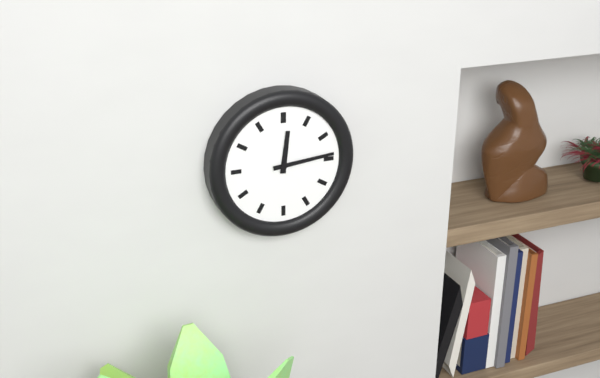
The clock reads 12.14
